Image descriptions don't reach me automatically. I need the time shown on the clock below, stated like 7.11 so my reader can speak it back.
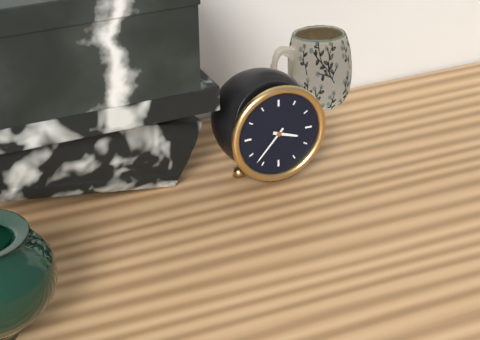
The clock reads 3.37
